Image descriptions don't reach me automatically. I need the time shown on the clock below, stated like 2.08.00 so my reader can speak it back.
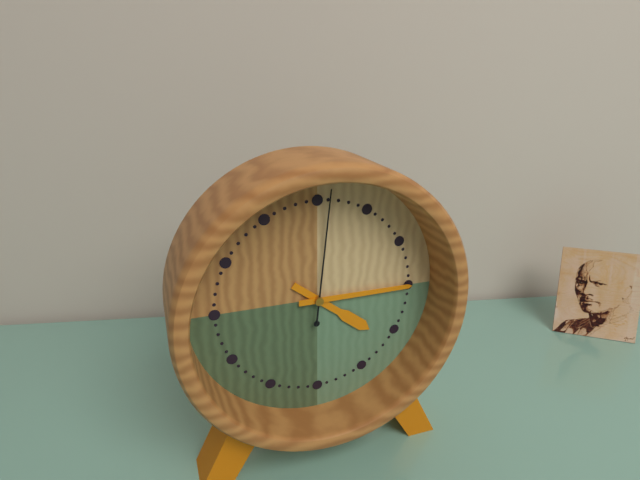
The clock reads 4.15.01
